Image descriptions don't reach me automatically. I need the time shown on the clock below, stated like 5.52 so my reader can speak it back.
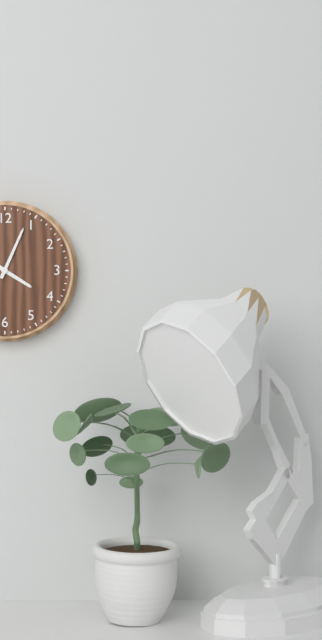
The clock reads 4.04
